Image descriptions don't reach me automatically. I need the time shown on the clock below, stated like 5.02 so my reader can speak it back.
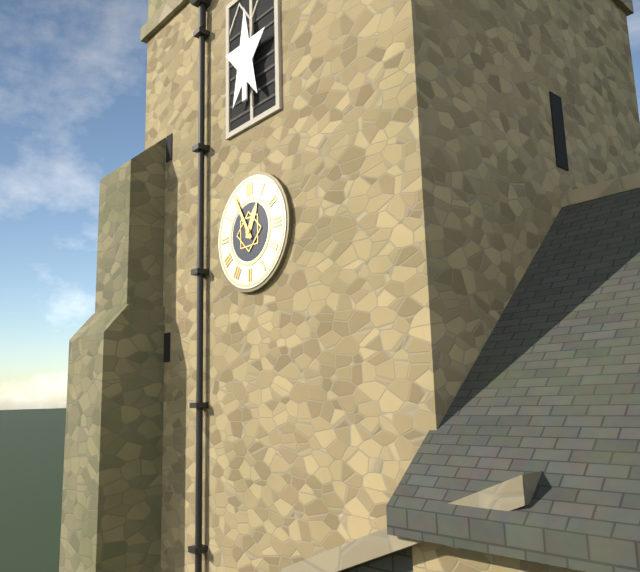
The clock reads 12.55
